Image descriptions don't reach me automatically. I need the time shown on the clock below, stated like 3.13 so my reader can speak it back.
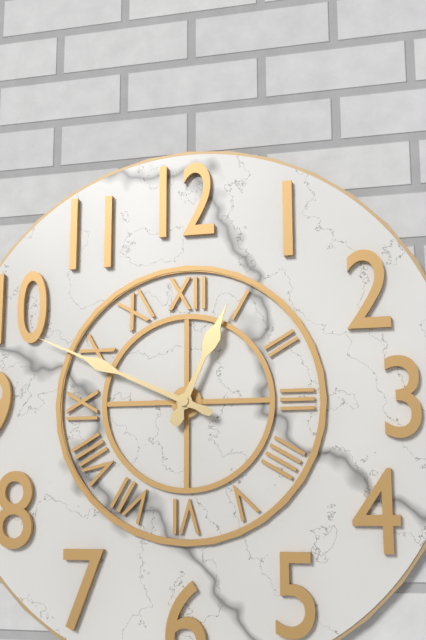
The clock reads 12.49
